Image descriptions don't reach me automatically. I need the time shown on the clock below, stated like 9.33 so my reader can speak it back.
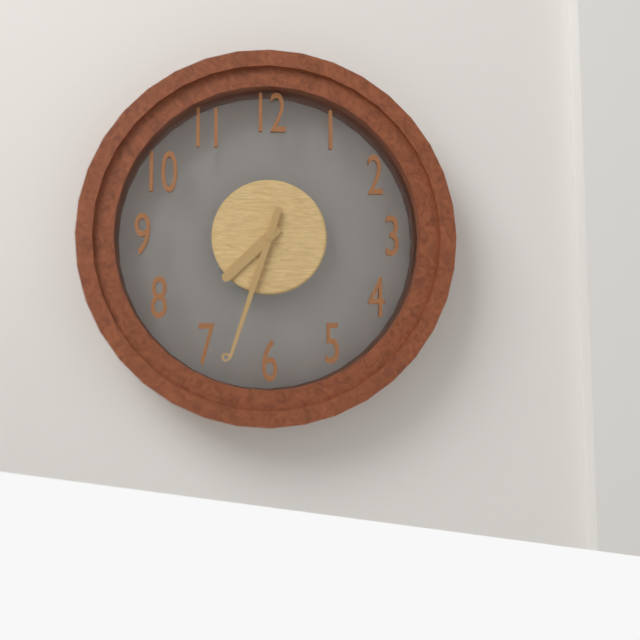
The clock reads 7.33
